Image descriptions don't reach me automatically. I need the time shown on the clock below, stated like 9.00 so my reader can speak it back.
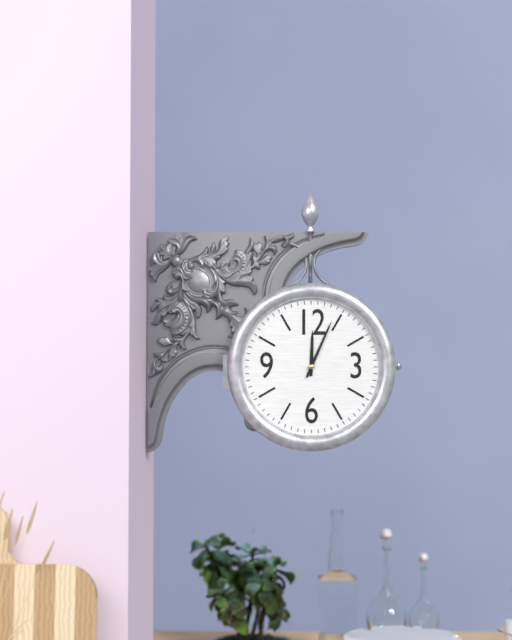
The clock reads 12.04
